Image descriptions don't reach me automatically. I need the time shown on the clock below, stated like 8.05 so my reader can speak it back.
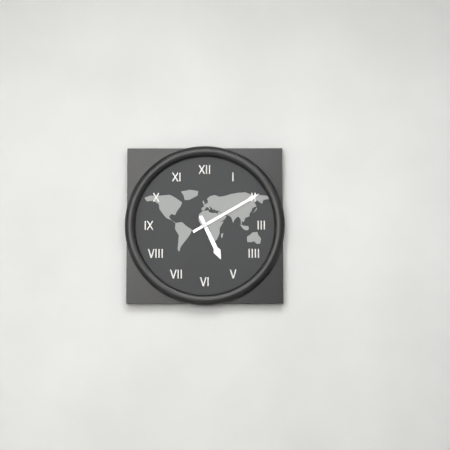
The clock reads 5.10
